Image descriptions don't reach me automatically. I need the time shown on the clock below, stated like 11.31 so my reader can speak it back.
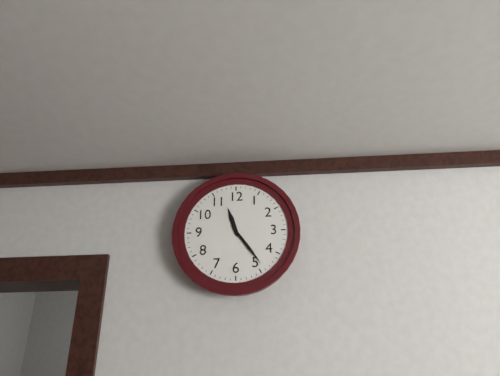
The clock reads 11.24
